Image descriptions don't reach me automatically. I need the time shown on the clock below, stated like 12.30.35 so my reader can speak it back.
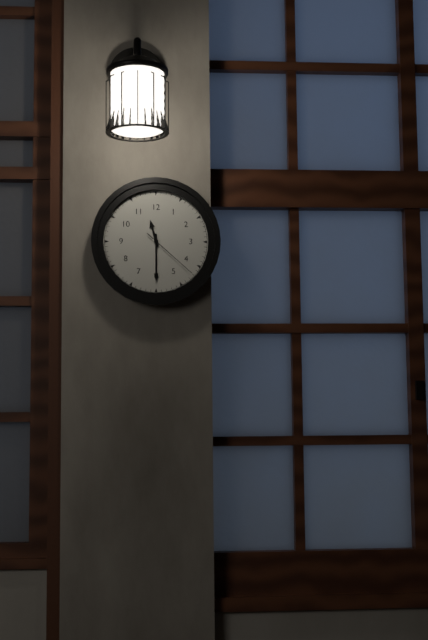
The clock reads 11.30.22
